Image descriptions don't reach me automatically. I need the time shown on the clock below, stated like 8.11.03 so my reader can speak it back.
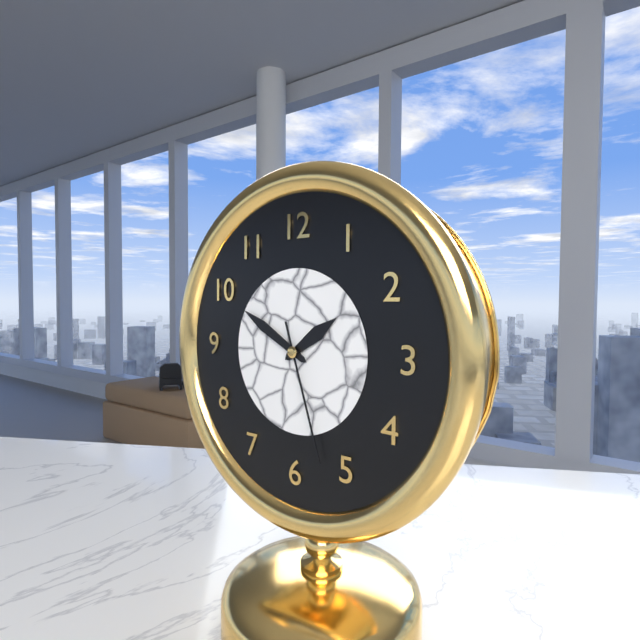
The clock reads 1.50.27
